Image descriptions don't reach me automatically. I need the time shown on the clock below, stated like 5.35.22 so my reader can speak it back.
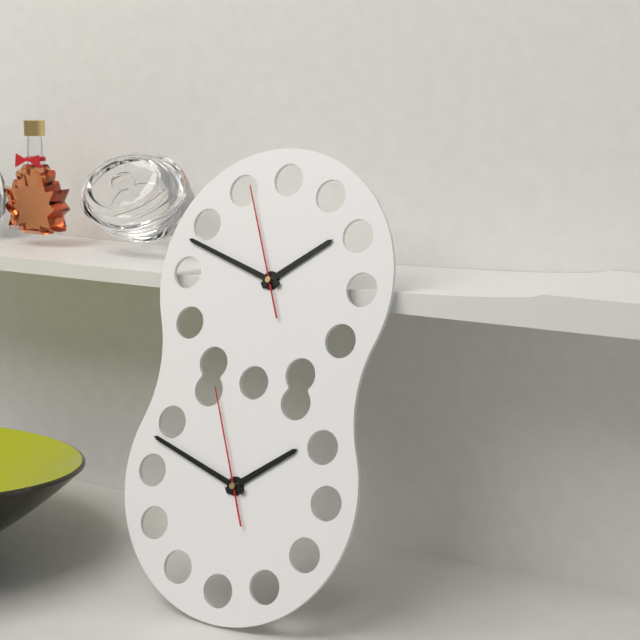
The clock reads 1.48.56
